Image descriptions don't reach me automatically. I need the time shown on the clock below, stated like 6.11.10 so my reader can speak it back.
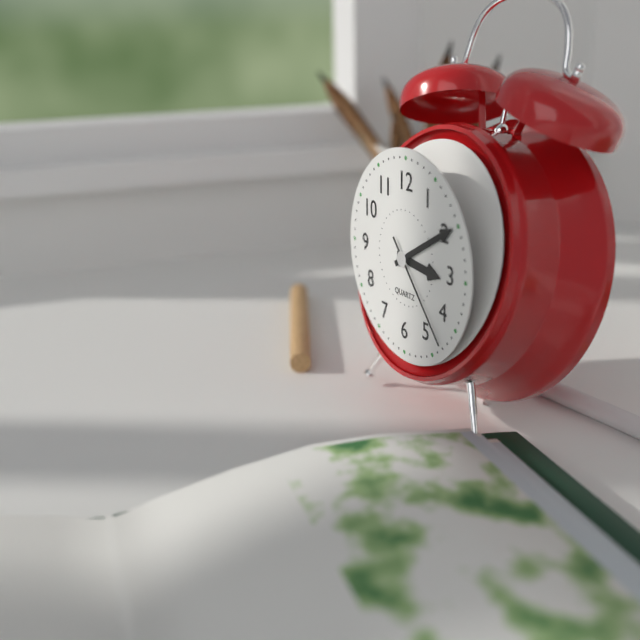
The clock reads 3.10.23
